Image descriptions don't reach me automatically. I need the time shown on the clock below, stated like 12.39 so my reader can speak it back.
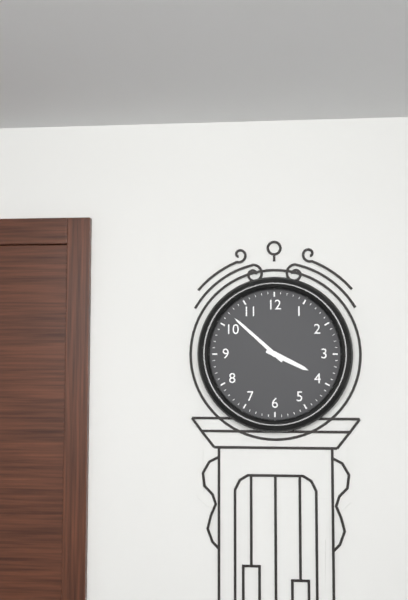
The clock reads 3.52
